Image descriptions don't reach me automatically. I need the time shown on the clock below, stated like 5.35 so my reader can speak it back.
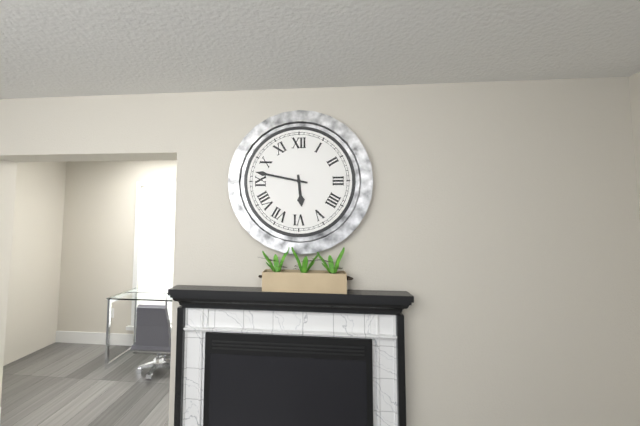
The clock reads 5.47
